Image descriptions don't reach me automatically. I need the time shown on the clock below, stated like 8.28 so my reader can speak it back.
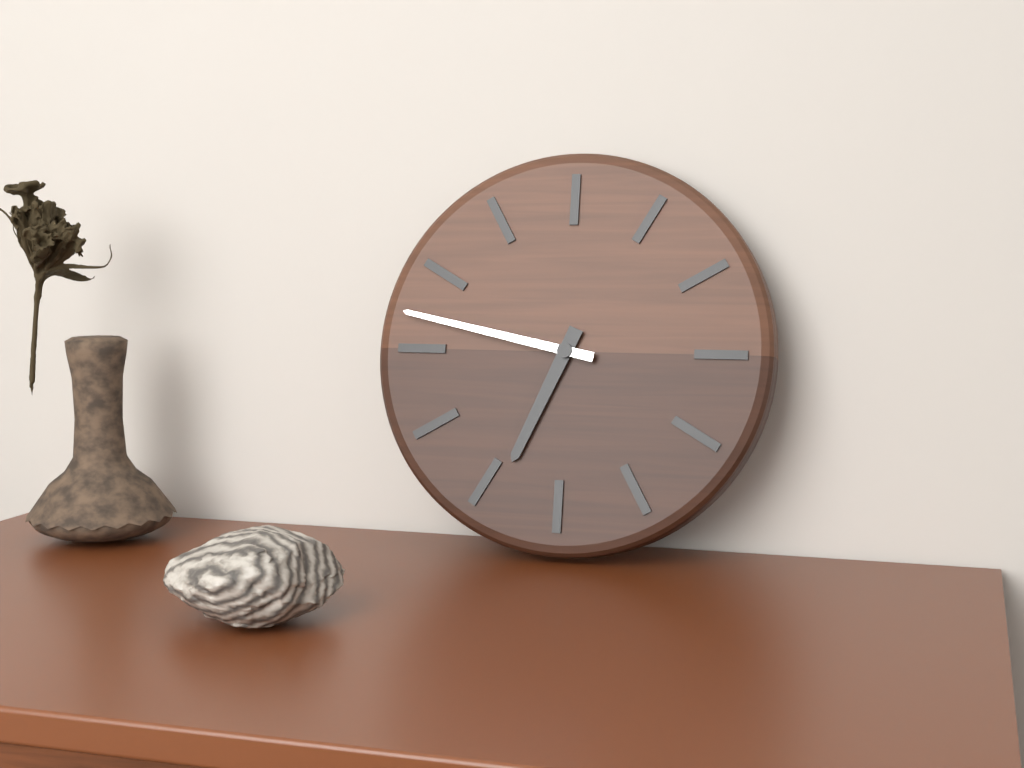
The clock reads 6.47
